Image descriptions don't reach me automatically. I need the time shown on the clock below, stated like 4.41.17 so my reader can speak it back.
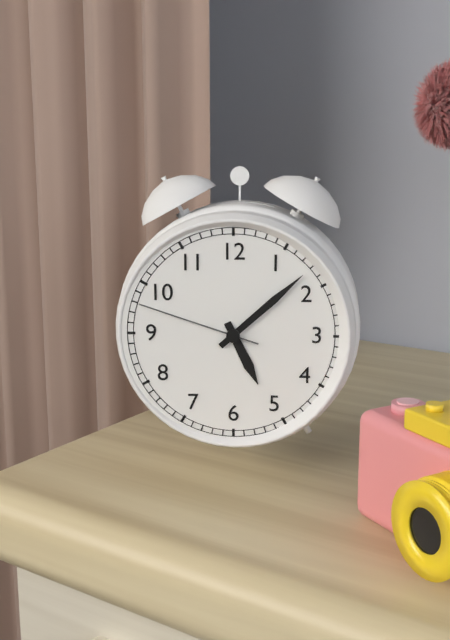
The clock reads 5.08.48
